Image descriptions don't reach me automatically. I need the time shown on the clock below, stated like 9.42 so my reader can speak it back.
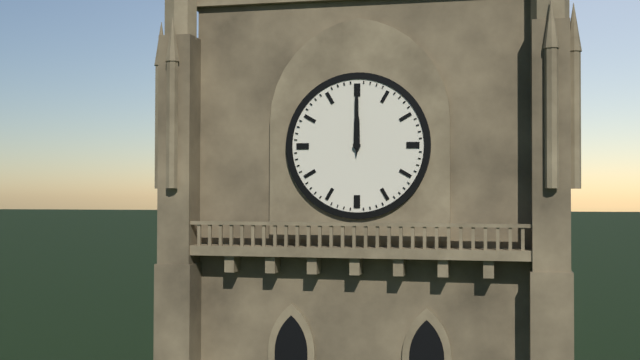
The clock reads 12.00
